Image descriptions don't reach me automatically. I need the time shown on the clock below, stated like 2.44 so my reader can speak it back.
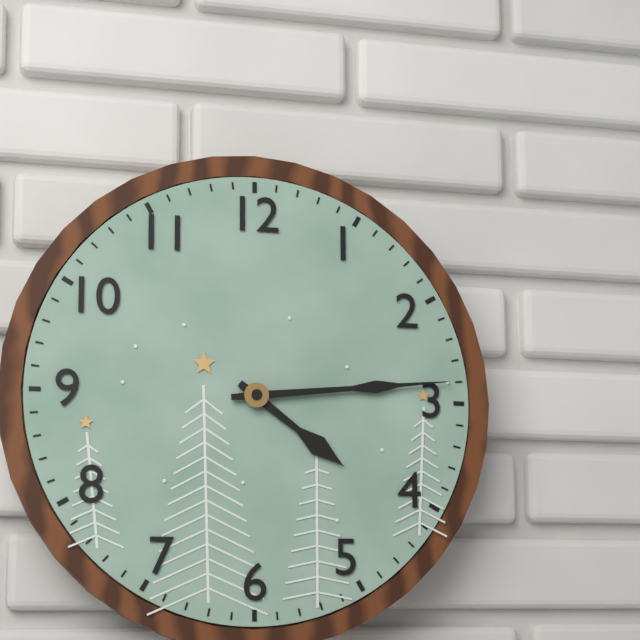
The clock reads 4.14
